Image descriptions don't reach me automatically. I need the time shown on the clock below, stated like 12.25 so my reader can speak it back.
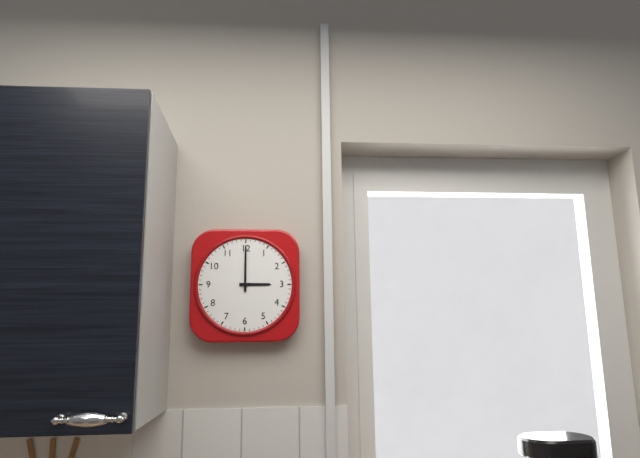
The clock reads 3.00
